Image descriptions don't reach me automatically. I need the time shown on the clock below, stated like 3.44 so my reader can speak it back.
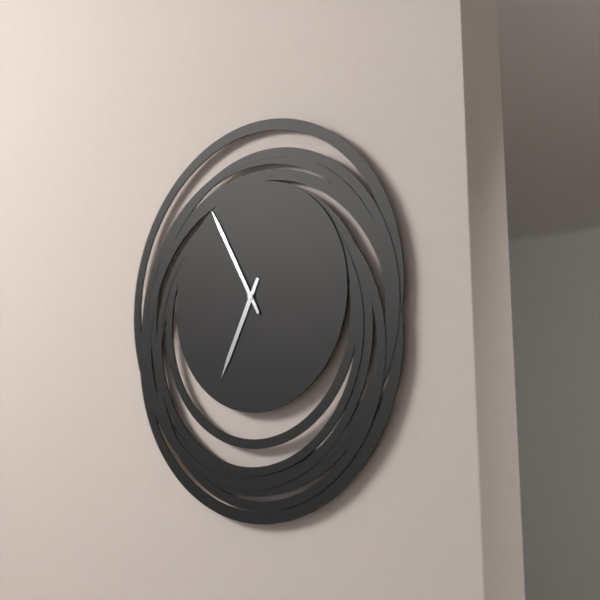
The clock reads 6.55
